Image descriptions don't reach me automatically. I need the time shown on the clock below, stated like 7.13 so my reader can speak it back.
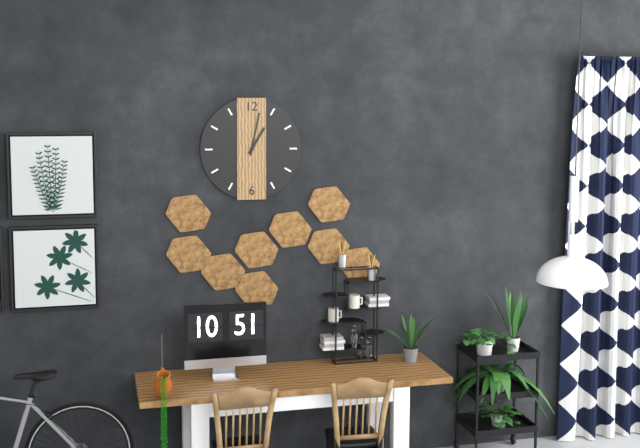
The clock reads 1.02
